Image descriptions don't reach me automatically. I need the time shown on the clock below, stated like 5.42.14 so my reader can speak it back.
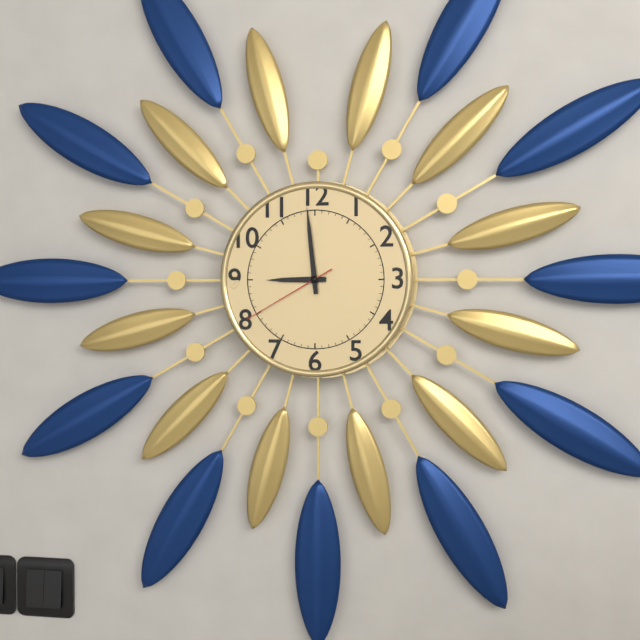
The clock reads 8.59.40
